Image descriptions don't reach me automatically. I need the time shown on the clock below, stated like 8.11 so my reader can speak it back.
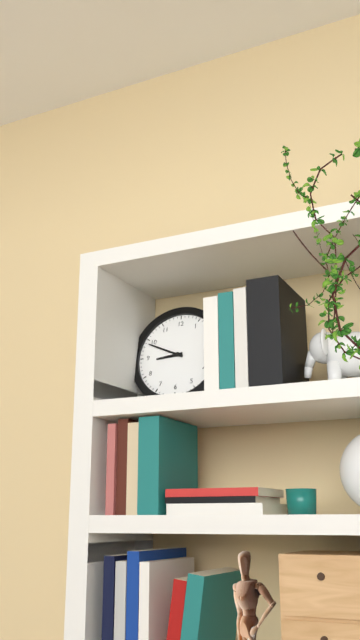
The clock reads 8.49
